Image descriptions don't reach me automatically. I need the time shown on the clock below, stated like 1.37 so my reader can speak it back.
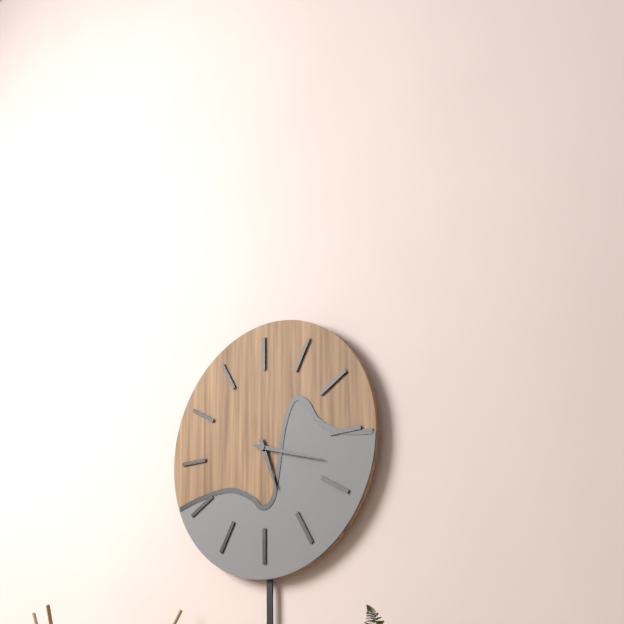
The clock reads 5.18
